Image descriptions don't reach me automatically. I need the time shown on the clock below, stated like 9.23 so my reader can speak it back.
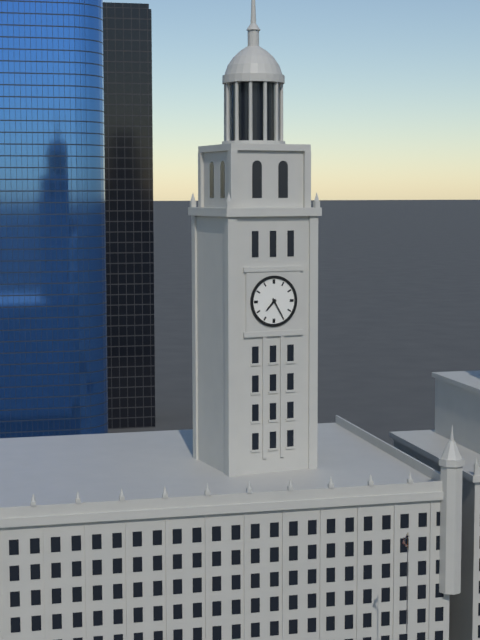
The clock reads 7.25
